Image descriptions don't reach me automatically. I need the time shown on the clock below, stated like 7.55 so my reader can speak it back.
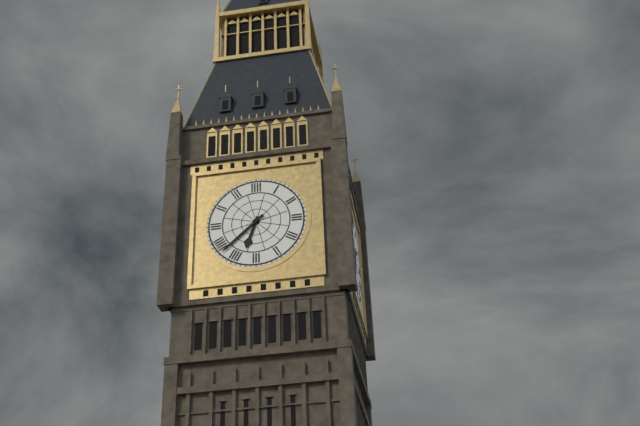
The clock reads 6.38
